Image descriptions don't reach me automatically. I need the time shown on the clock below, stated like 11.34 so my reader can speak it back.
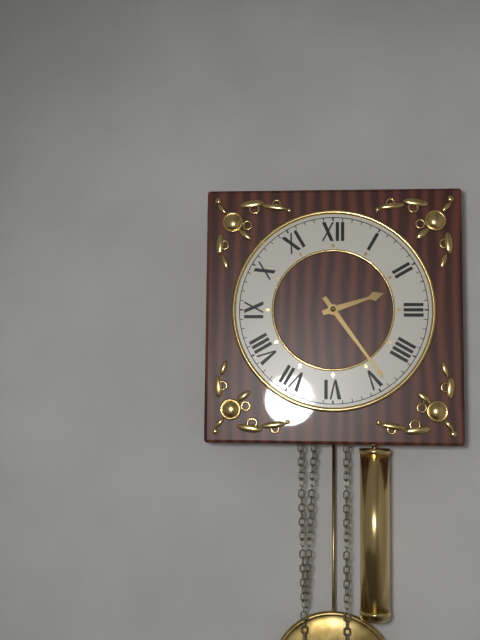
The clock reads 2.24
